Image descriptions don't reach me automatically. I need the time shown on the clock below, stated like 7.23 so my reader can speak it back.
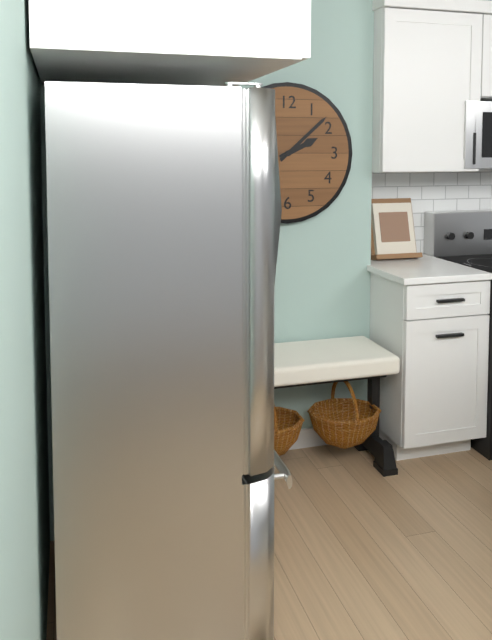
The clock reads 2.08
